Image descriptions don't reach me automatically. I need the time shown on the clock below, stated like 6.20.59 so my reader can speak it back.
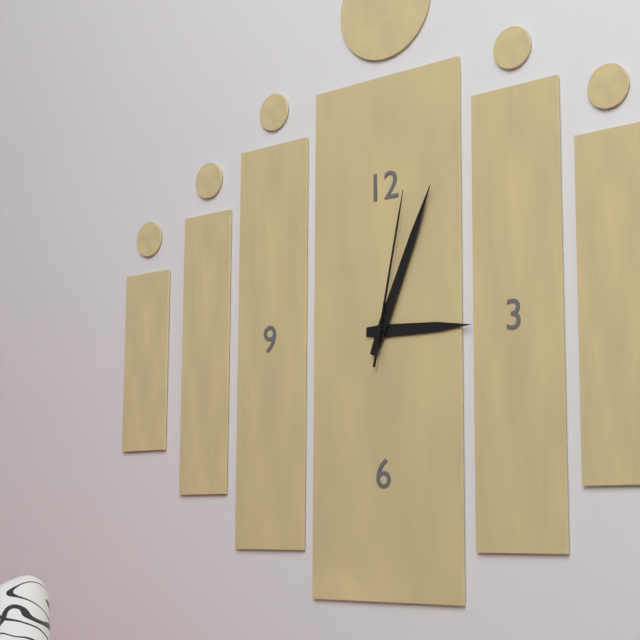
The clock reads 3.04.02
